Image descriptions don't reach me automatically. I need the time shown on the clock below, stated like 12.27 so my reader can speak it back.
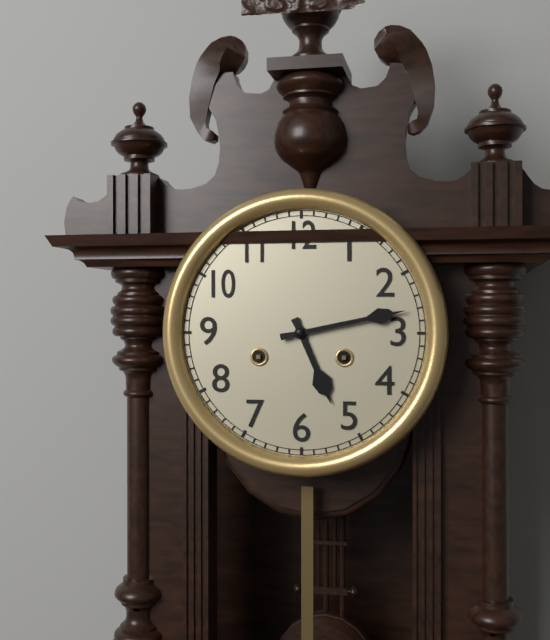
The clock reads 5.13
